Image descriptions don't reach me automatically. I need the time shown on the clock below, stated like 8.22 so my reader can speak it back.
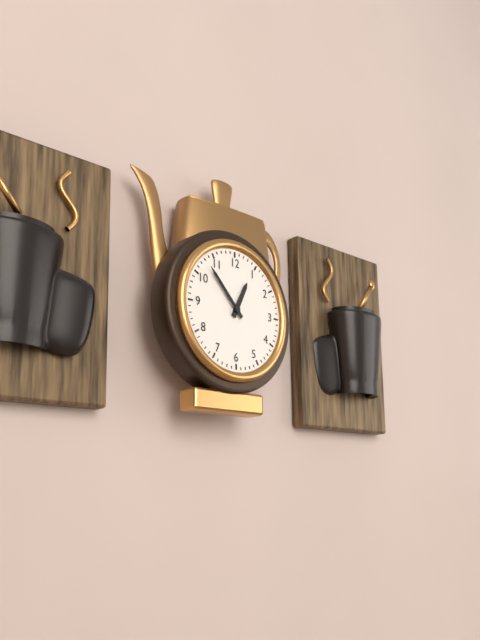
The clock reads 12.53
